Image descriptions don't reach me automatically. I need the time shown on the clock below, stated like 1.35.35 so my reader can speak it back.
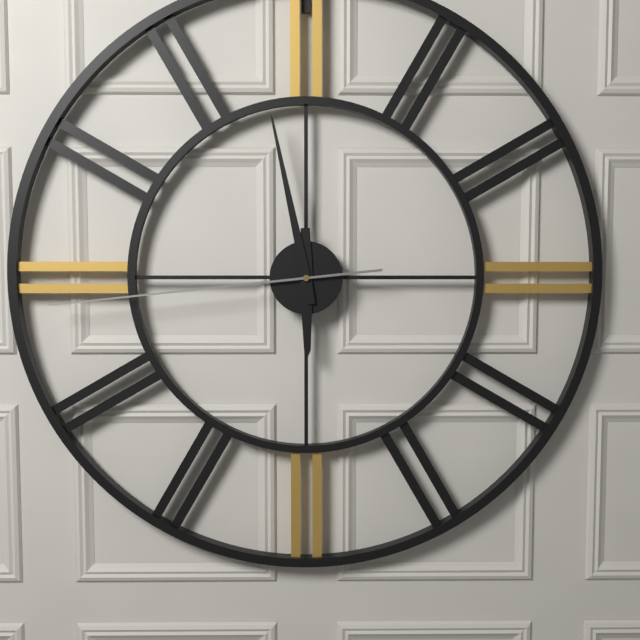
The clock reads 5.58.44
